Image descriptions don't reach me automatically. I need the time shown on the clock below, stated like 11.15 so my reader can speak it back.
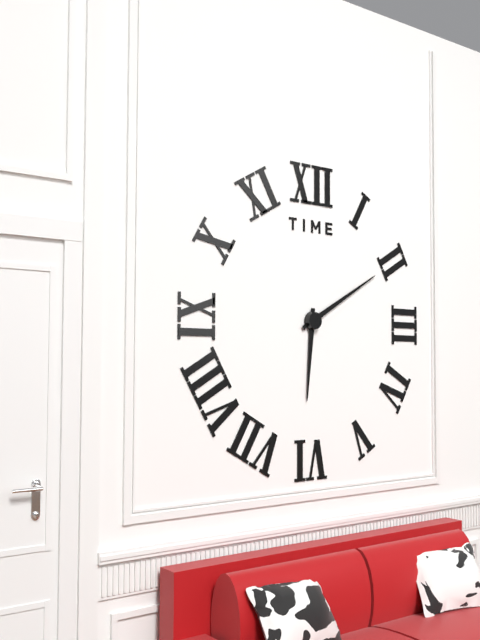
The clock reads 6.10
